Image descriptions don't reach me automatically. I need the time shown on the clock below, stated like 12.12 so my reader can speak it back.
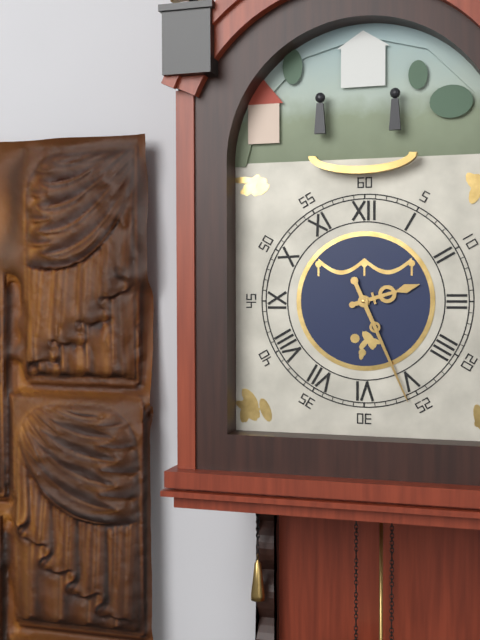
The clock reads 2.26
